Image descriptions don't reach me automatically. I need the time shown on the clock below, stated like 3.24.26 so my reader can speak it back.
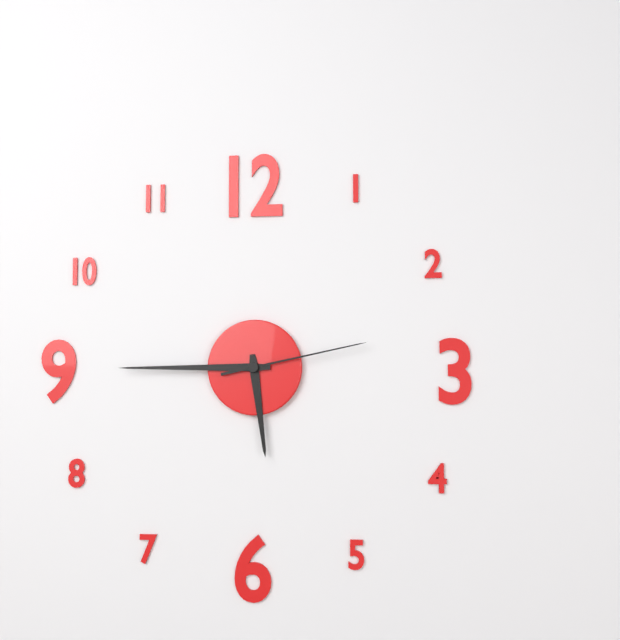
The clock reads 5.45.13
